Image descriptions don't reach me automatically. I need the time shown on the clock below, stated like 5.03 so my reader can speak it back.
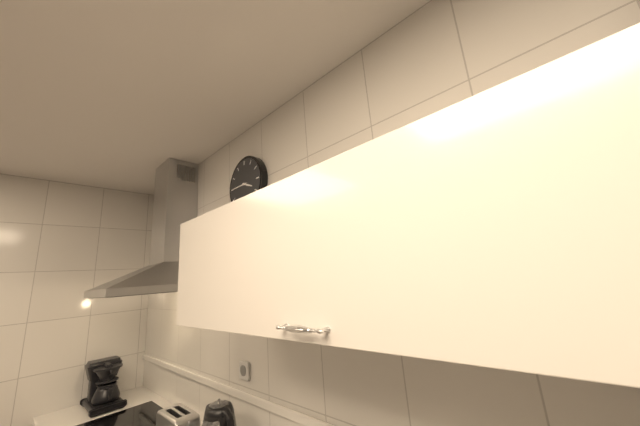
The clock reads 3.45
